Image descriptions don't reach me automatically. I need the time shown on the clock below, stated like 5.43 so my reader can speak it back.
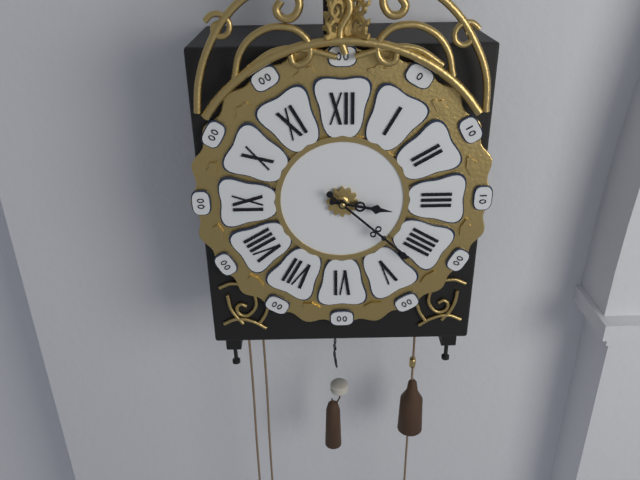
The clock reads 3.22
